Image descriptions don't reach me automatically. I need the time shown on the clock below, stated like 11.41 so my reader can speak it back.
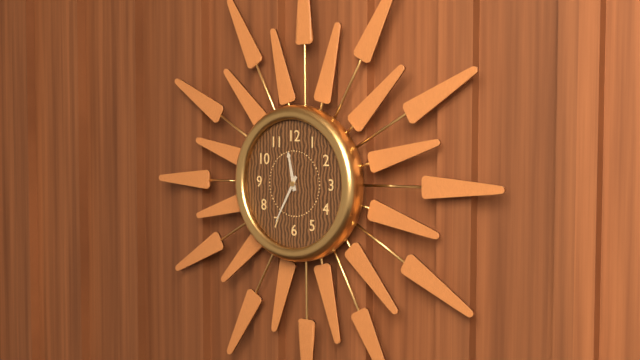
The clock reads 11.35
